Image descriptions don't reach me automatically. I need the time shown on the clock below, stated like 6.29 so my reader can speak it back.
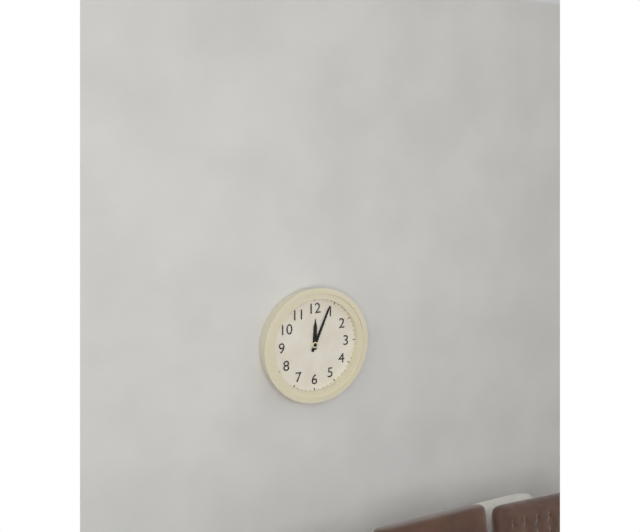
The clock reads 12.04
